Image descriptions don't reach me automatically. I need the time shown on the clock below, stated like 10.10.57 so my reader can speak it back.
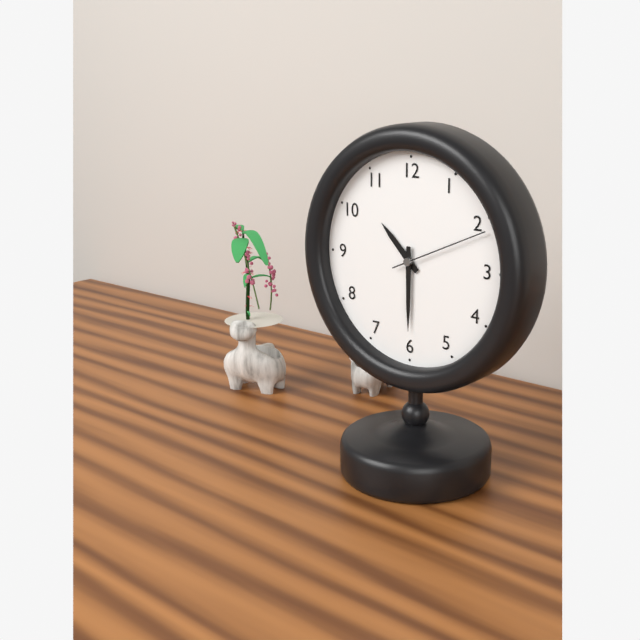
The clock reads 10.30.11
